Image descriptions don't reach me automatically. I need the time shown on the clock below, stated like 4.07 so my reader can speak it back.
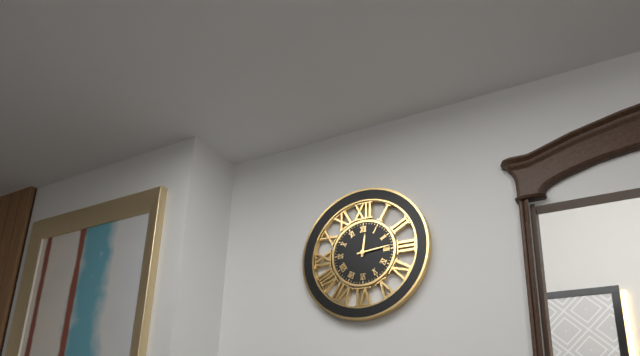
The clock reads 12.14
